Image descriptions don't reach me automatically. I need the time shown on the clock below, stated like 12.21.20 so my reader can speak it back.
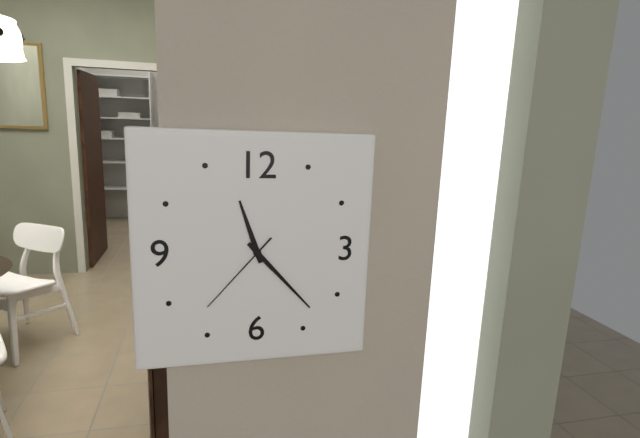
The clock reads 11.23.37
